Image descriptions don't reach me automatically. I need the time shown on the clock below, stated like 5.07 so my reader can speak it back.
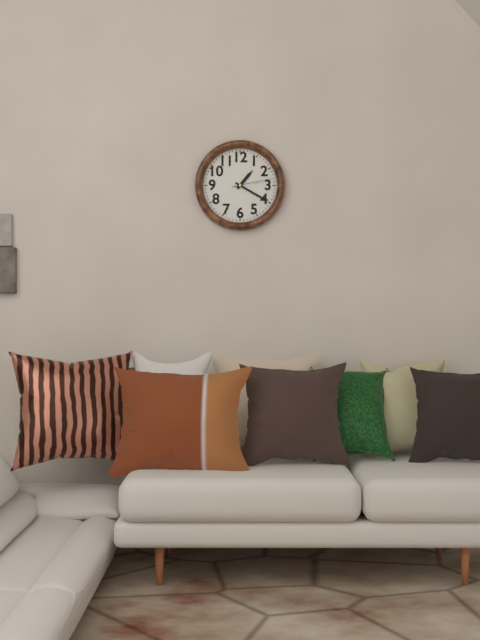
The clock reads 1.20
